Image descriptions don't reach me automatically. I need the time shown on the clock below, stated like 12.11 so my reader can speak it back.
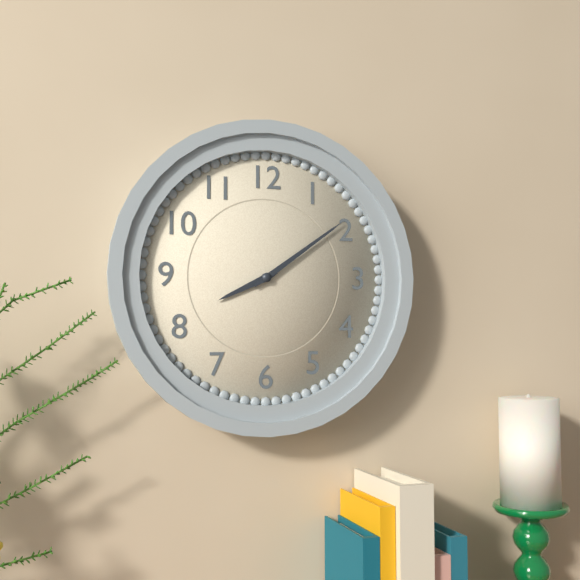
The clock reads 8.09
